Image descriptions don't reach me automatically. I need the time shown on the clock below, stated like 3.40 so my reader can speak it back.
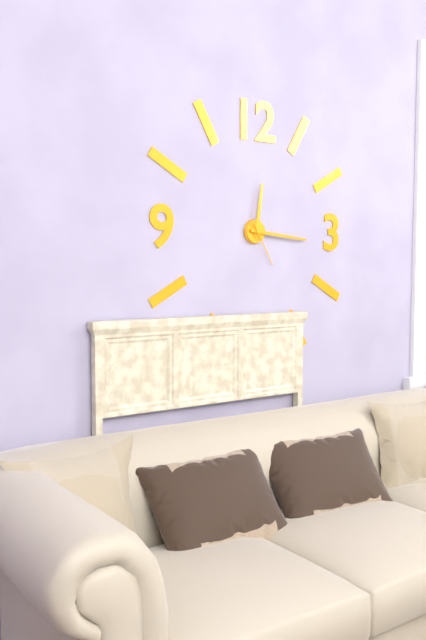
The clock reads 12.16
